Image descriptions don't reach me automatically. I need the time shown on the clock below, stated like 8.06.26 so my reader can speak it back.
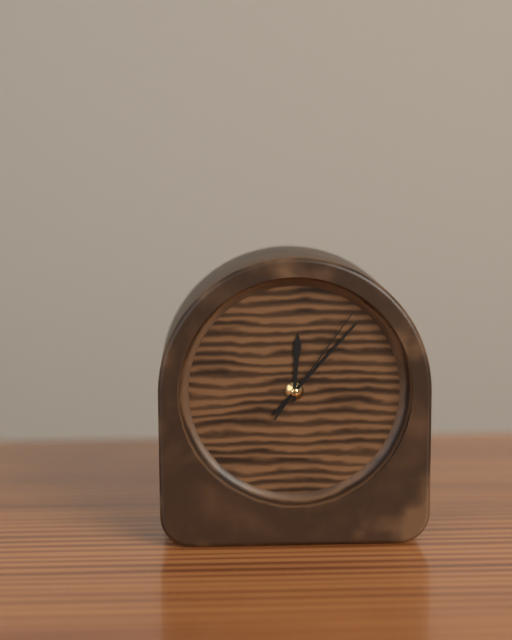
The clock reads 12.07.06
